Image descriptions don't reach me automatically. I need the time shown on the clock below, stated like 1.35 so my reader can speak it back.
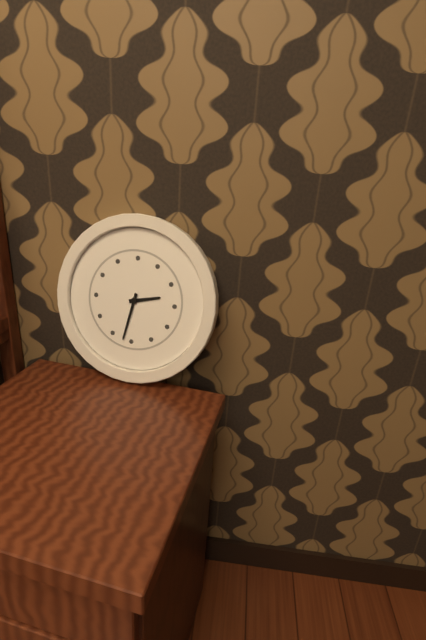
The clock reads 2.32
